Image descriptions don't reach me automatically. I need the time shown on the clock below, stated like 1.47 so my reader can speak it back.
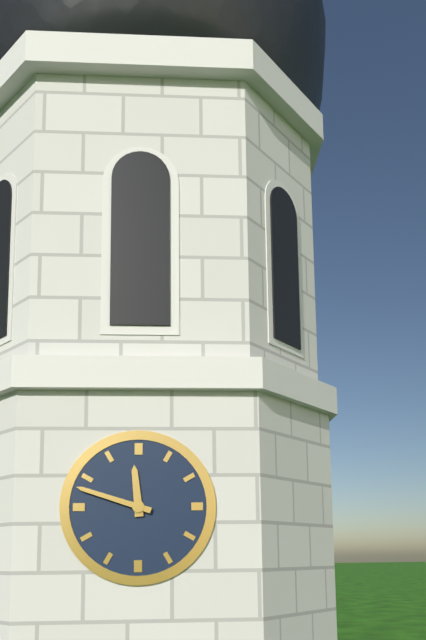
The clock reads 11.48
